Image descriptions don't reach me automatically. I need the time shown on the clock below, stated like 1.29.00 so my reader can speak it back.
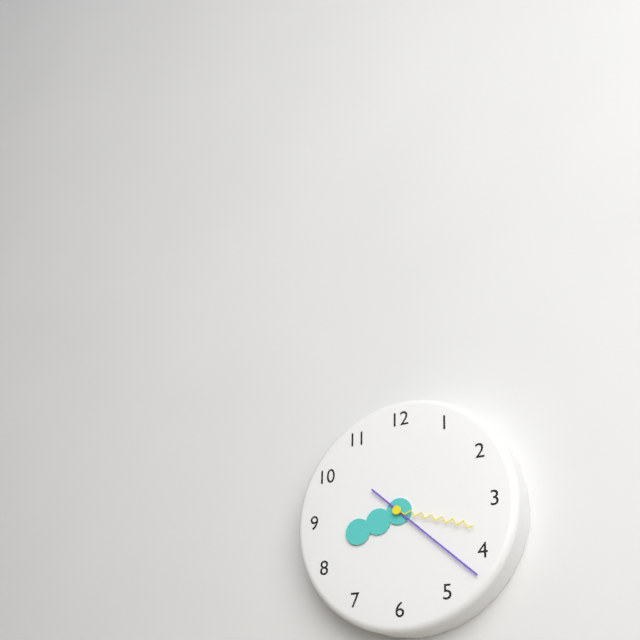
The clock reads 8.22.18
